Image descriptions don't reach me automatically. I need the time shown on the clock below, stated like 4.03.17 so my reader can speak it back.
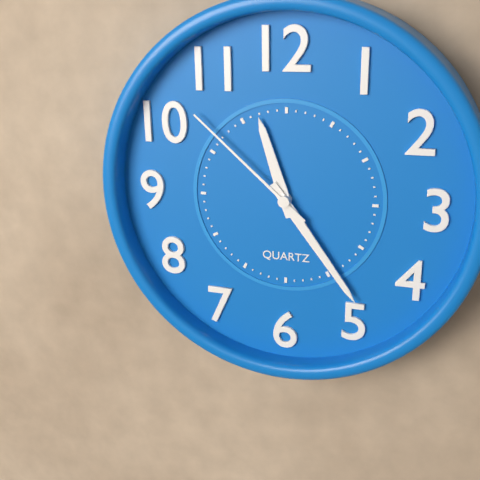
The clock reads 11.24.52
